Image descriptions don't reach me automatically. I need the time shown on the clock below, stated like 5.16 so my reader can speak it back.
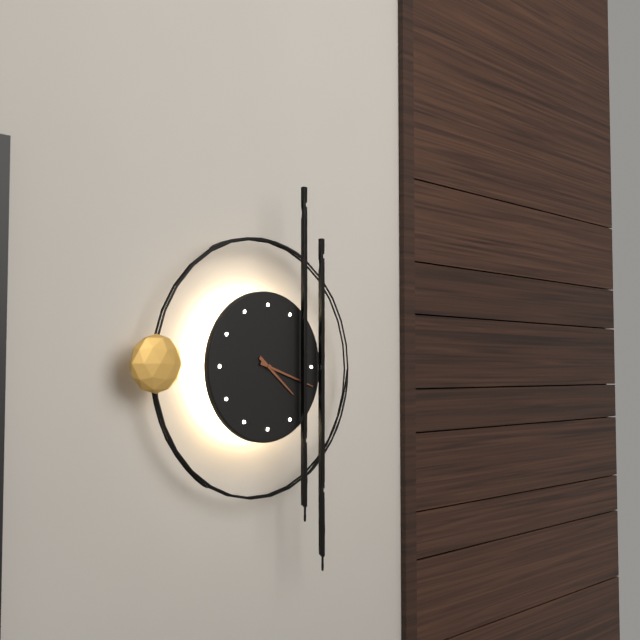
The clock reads 4.18
